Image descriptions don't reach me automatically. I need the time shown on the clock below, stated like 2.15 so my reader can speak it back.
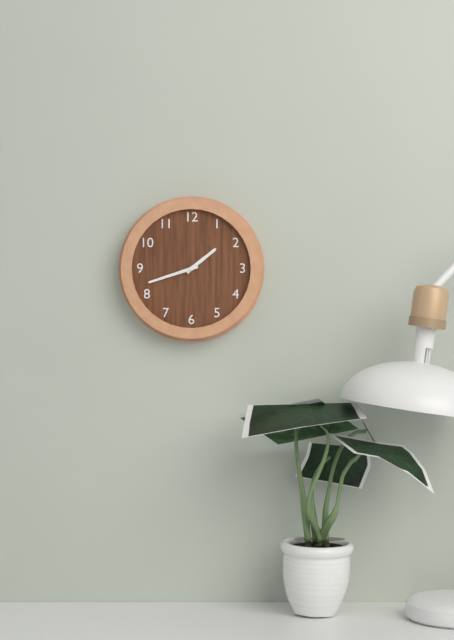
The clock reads 1.42
